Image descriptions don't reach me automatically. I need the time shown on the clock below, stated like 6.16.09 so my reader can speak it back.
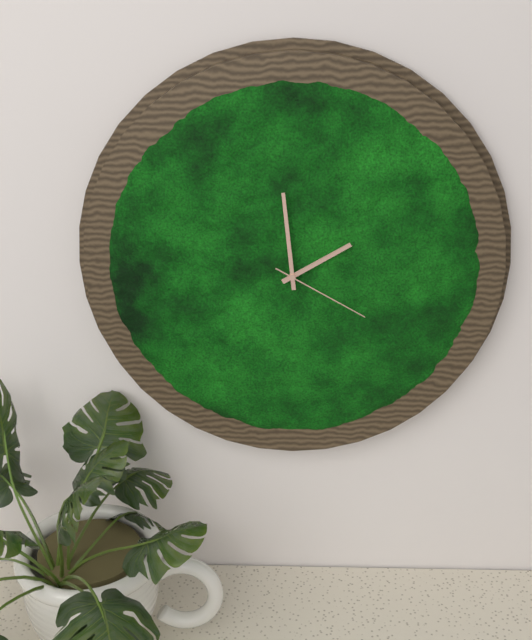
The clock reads 1.59.20
